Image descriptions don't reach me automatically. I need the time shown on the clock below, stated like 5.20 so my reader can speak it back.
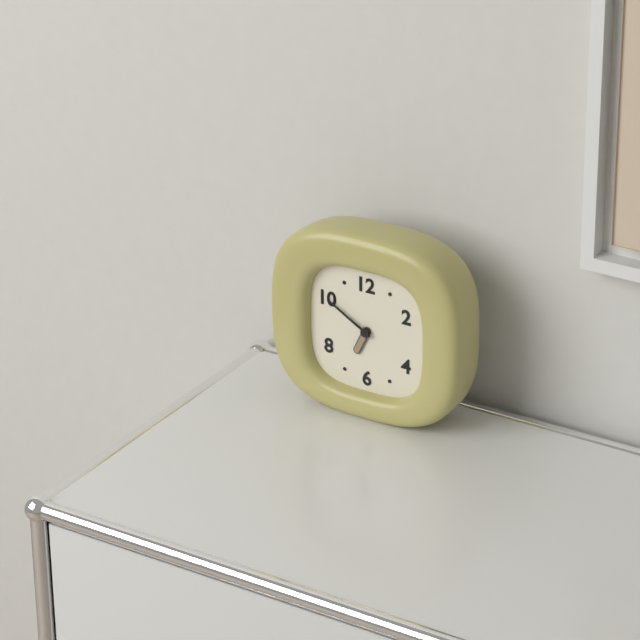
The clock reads 6.50
